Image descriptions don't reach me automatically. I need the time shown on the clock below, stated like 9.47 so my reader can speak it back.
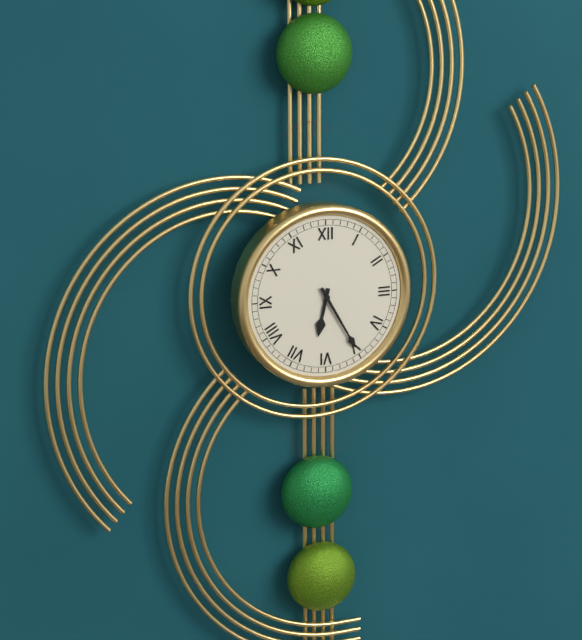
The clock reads 6.25
